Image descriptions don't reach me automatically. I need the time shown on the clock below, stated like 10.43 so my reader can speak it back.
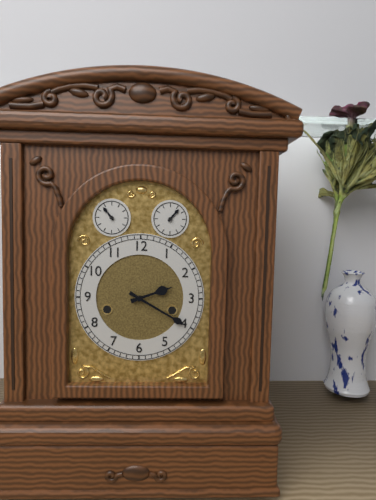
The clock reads 2.20
